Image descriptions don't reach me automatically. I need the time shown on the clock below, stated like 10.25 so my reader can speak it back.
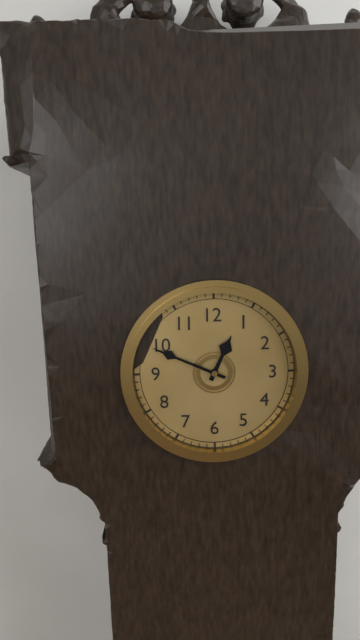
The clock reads 12.49
